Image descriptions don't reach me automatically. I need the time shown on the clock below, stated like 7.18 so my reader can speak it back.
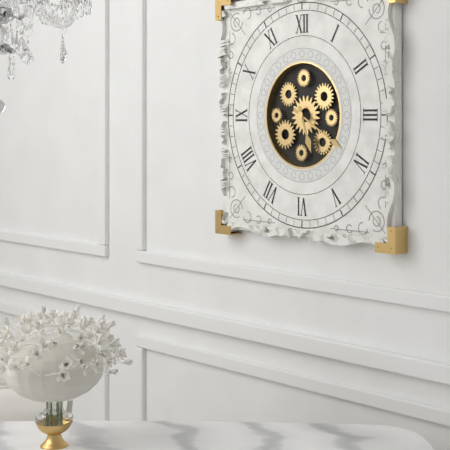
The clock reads 5.20
